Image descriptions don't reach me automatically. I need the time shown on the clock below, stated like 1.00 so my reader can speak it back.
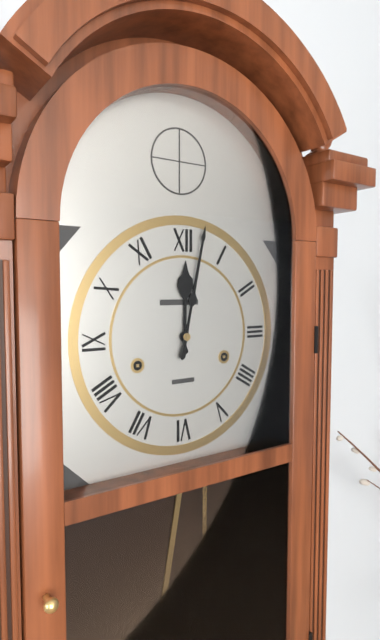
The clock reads 12.02
